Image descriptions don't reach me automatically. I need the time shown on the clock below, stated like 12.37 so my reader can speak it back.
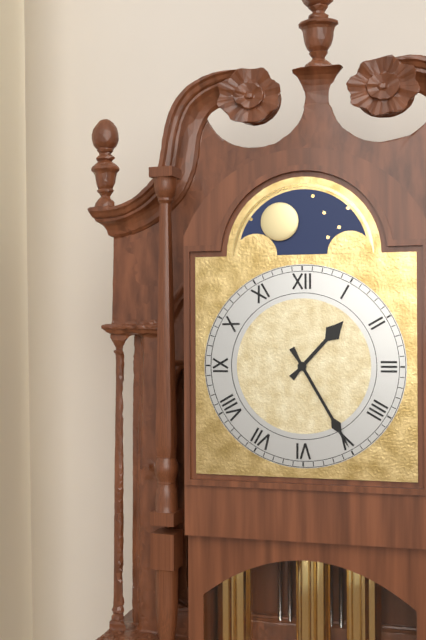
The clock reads 1.25
